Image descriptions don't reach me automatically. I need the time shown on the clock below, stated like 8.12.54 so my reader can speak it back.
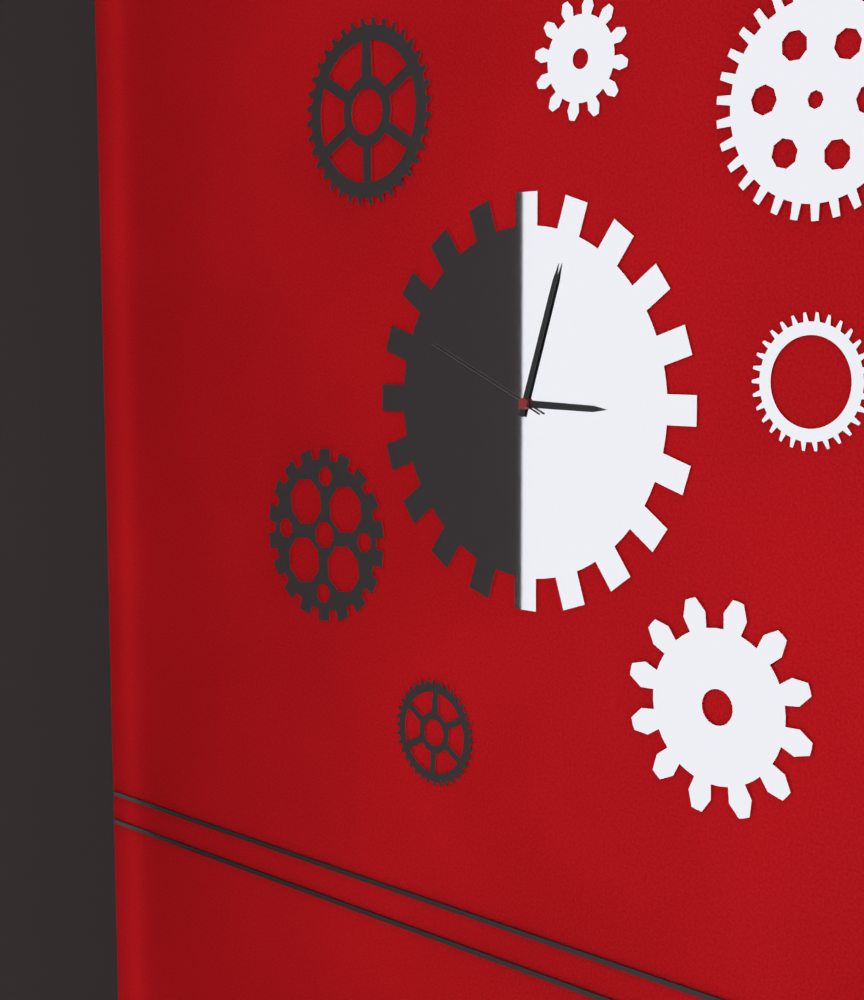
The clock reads 3.03.49
